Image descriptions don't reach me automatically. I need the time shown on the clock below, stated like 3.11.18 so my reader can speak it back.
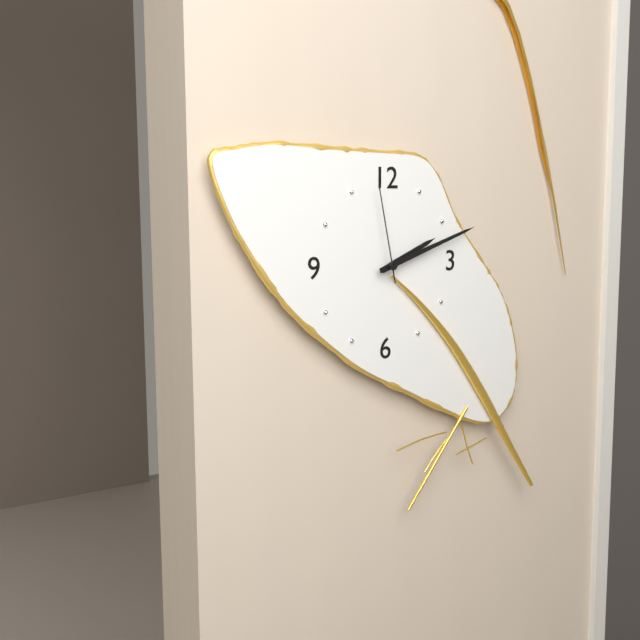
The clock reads 2.12.58
